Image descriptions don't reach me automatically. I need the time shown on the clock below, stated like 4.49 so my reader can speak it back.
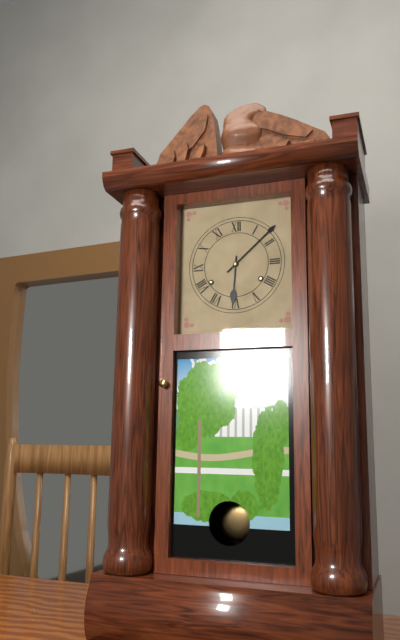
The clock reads 6.08
